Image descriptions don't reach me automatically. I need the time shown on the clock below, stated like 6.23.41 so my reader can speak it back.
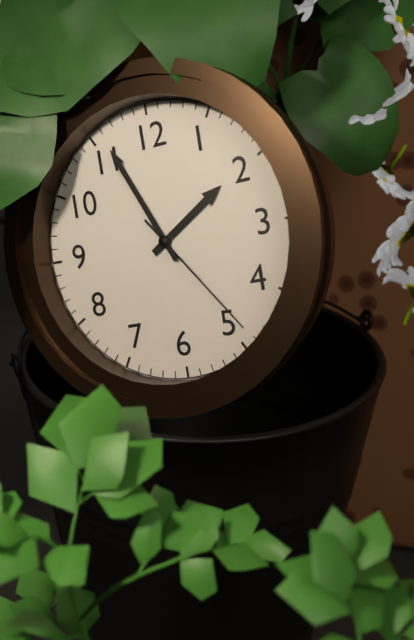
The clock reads 1.56.24
